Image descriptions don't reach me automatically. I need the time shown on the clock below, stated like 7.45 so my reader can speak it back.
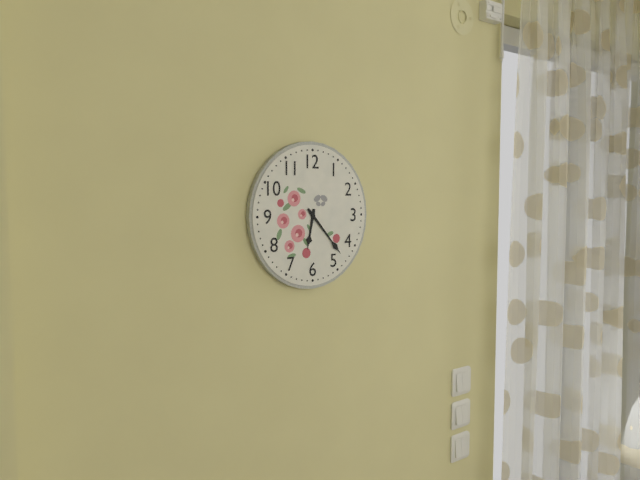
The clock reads 6.23
